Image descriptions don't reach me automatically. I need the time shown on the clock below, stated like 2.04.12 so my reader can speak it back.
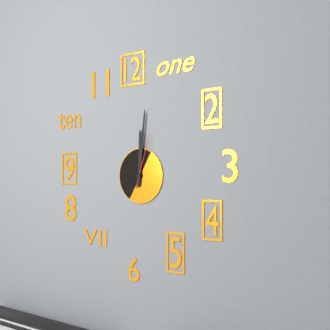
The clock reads 12.01.03
